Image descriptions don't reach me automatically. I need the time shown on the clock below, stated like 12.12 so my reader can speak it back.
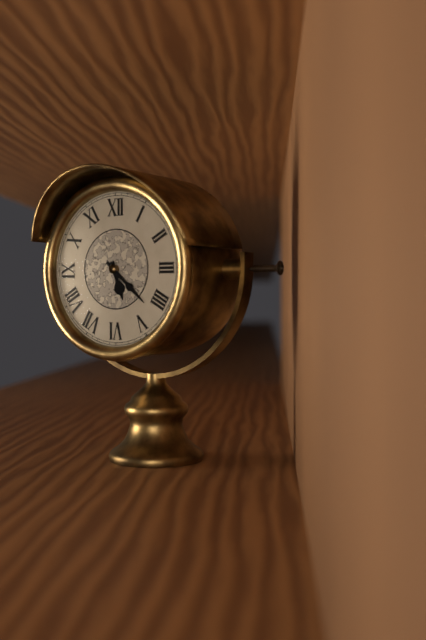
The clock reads 5.22
